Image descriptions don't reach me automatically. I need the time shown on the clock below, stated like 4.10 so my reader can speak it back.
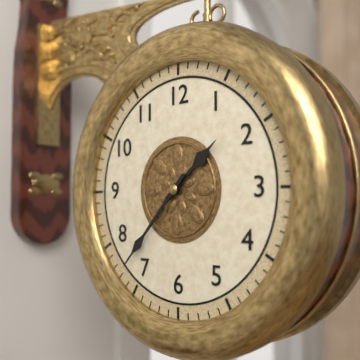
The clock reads 1.37
